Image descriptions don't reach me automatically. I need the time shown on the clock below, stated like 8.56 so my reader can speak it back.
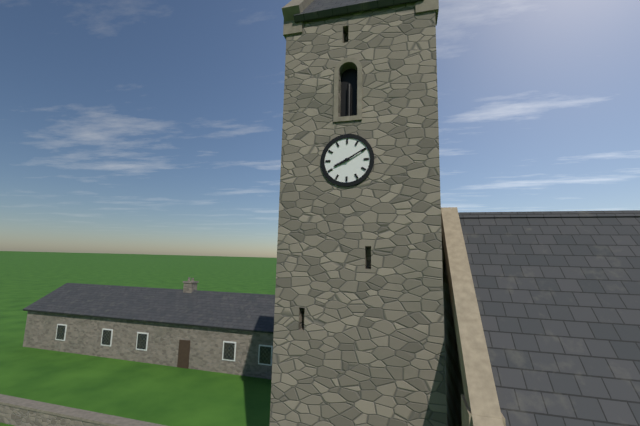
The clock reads 8.10
